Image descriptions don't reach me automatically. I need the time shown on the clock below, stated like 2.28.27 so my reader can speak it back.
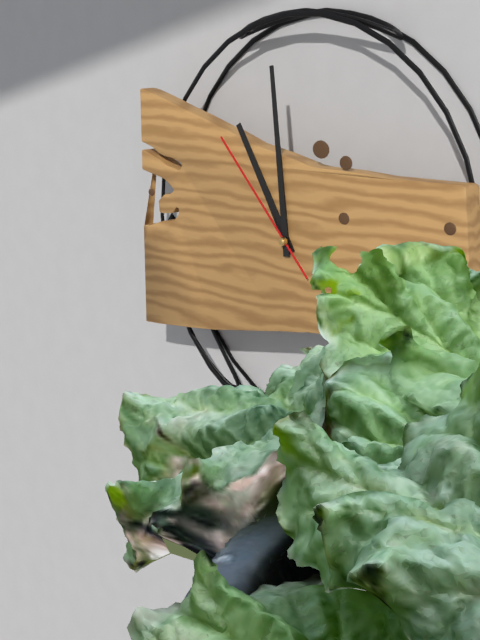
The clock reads 10.59.53
